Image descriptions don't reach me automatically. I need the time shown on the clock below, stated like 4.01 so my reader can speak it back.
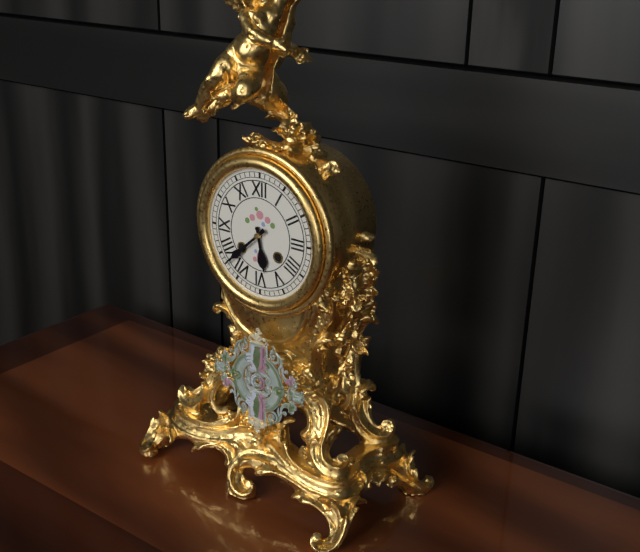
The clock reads 5.38
